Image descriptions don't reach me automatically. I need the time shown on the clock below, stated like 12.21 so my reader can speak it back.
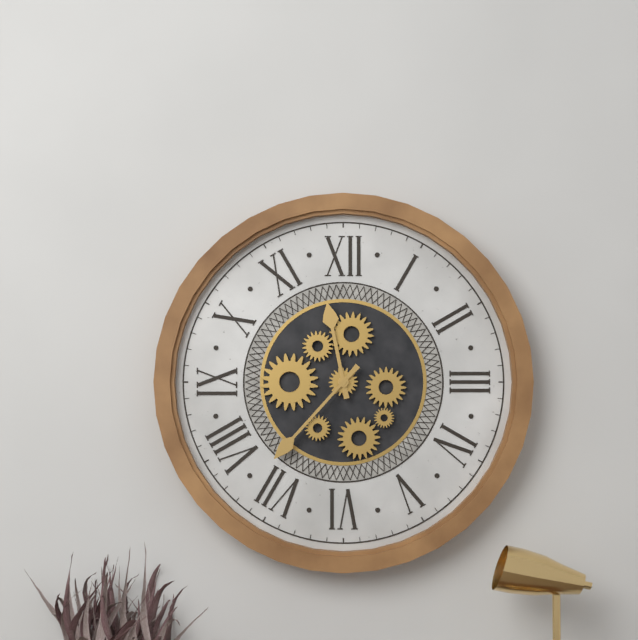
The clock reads 11.37
